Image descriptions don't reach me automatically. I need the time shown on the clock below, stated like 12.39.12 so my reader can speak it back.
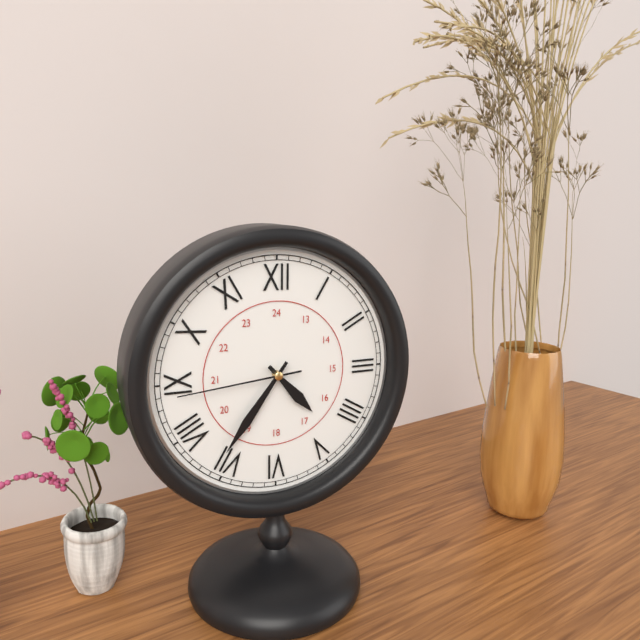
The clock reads 4.36.44
